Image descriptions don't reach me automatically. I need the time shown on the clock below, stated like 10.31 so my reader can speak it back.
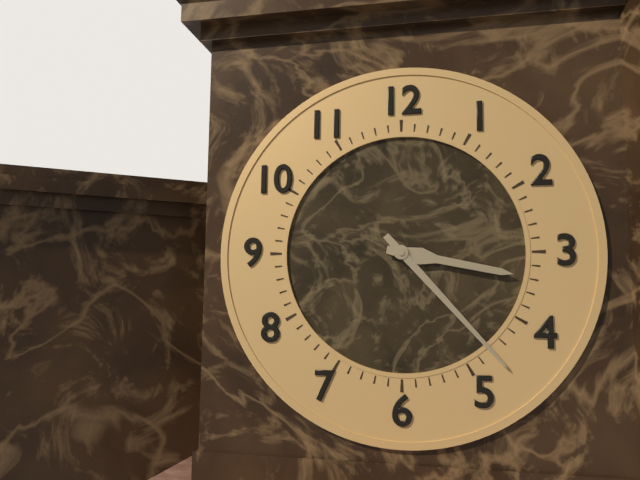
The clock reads 3.23
